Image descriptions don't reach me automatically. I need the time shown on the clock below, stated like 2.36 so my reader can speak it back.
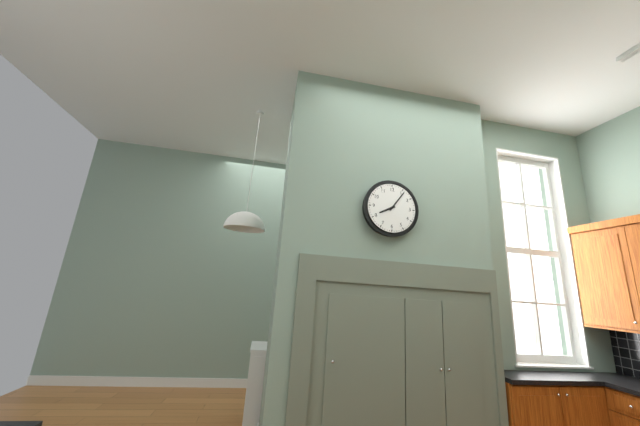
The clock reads 8.06
